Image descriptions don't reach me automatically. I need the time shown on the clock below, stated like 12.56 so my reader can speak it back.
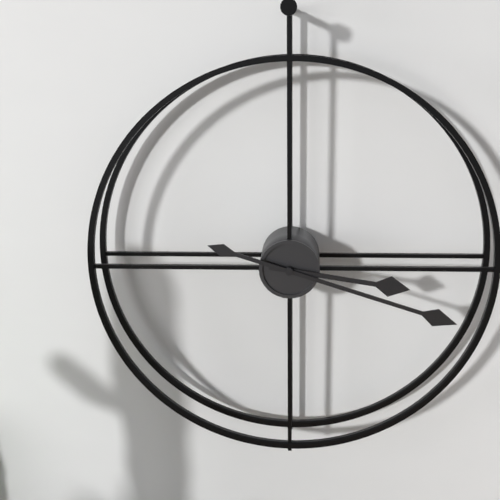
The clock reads 3.18
